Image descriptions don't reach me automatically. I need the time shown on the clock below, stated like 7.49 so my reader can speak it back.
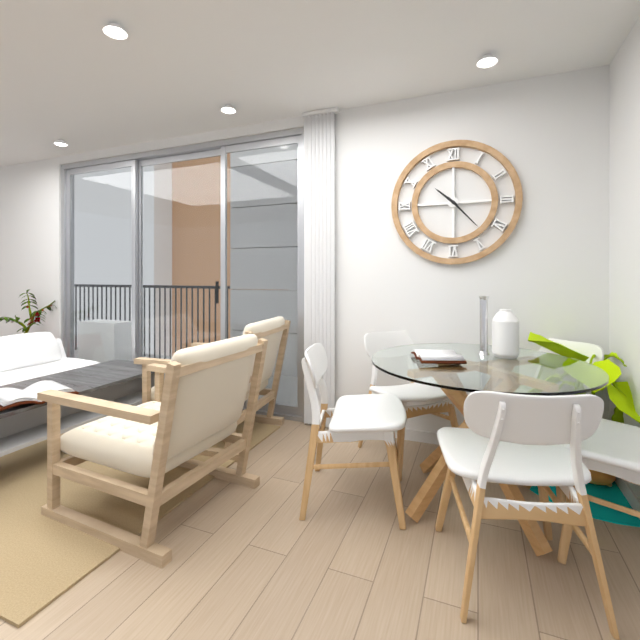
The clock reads 10.23
